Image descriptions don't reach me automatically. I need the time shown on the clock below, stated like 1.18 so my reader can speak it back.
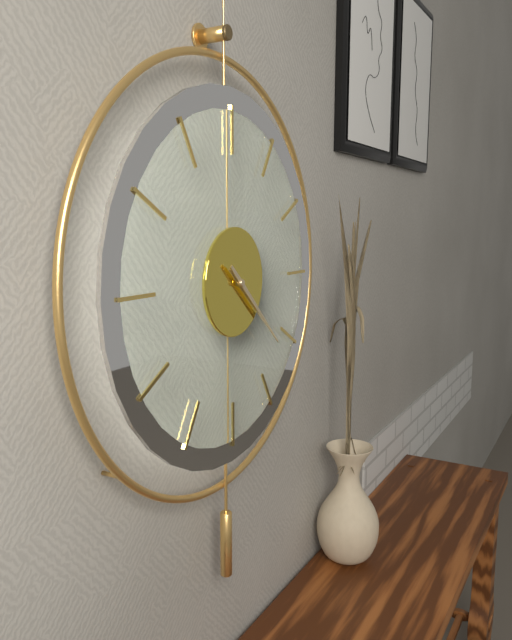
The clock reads 4.22
